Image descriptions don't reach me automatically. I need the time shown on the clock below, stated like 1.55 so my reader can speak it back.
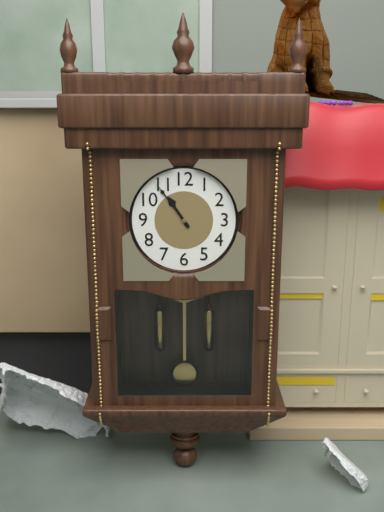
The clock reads 10.54
